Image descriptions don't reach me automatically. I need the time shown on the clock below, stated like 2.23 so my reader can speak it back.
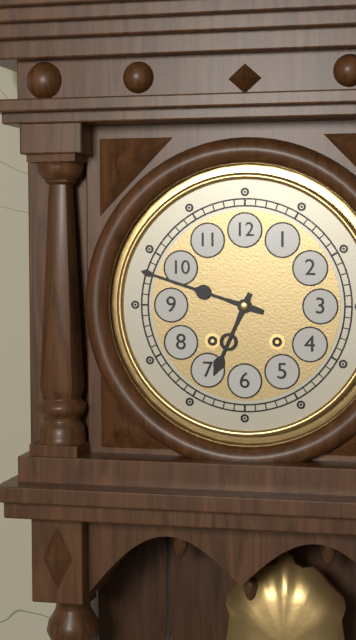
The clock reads 6.48
